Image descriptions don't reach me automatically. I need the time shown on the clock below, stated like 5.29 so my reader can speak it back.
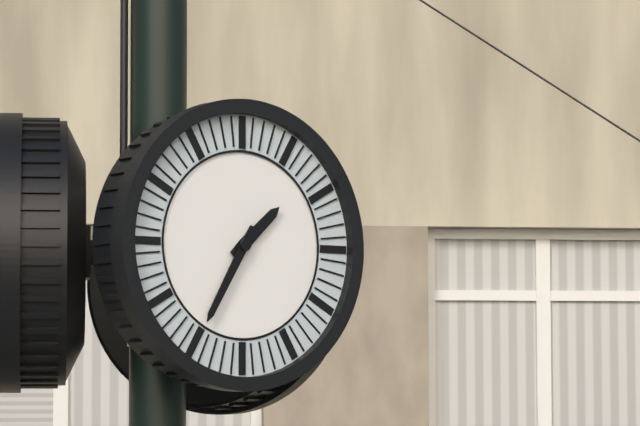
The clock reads 1.35
